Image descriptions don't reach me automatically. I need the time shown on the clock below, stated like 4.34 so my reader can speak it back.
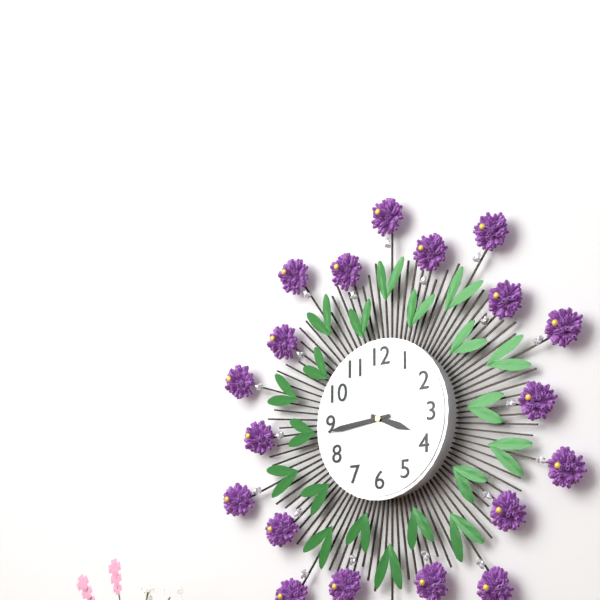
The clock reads 3.44
